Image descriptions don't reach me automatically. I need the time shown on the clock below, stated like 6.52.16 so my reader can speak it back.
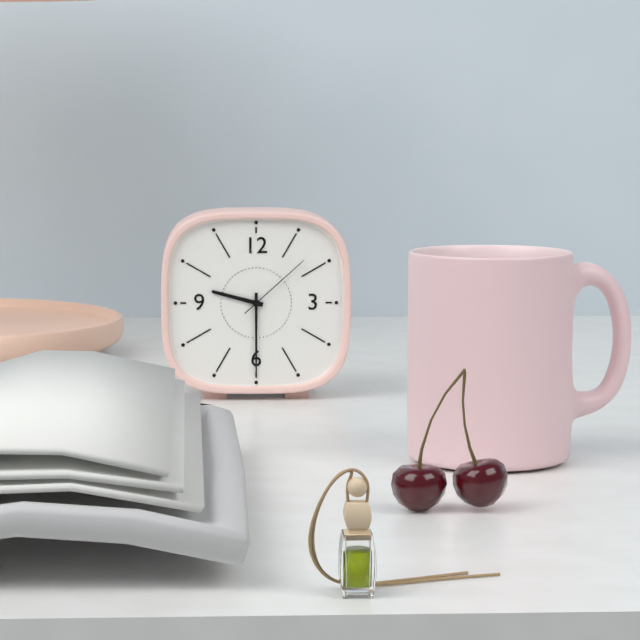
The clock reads 9.30.08
